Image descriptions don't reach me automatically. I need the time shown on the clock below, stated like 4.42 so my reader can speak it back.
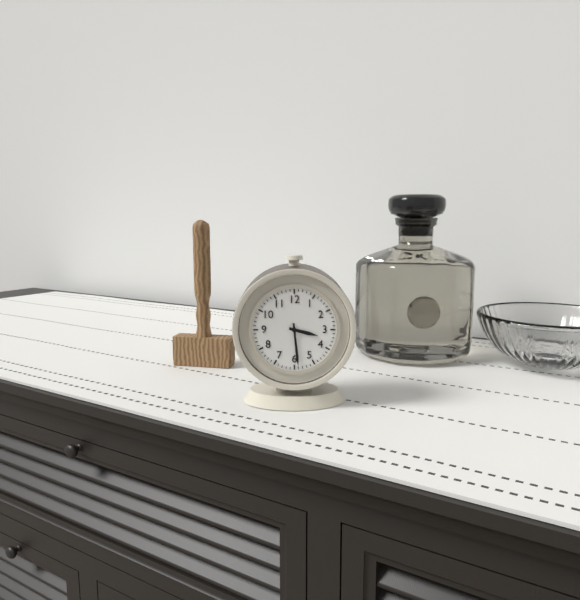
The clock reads 3.29
